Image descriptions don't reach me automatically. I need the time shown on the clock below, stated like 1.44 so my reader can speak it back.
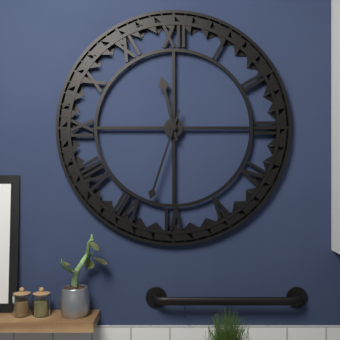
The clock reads 11.33
